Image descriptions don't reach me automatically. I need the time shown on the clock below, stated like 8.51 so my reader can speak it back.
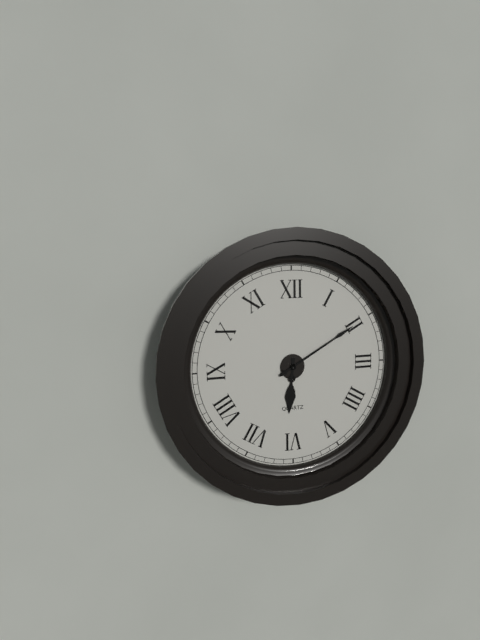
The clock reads 6.10
